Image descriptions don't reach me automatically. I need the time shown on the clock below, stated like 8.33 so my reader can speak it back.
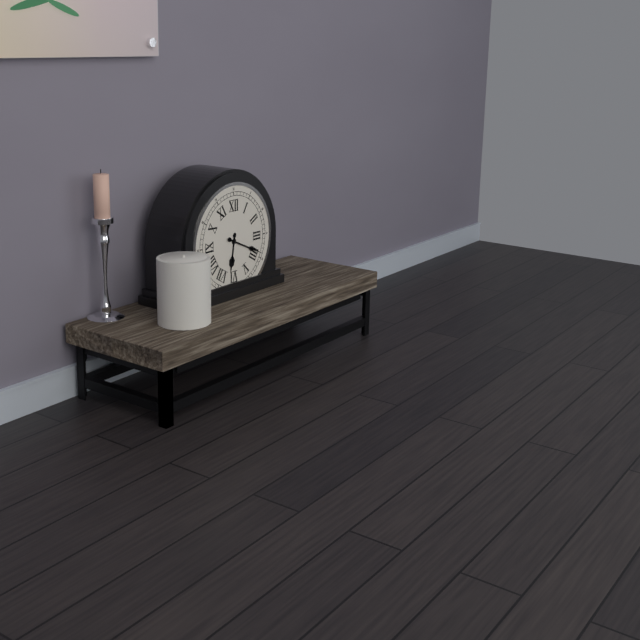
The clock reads 6.19
